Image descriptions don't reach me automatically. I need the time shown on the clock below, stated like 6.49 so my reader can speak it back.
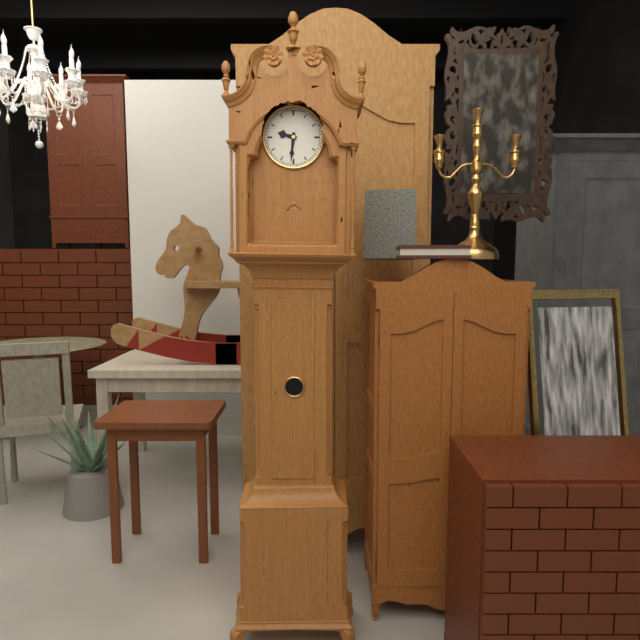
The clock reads 9.31
